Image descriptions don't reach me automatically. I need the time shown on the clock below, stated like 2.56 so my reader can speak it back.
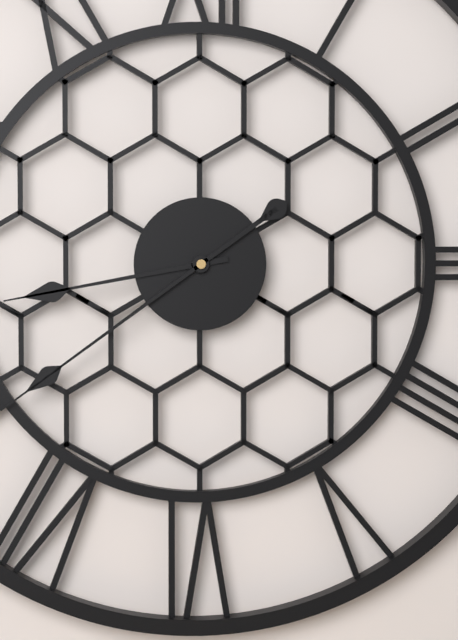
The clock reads 8.39
